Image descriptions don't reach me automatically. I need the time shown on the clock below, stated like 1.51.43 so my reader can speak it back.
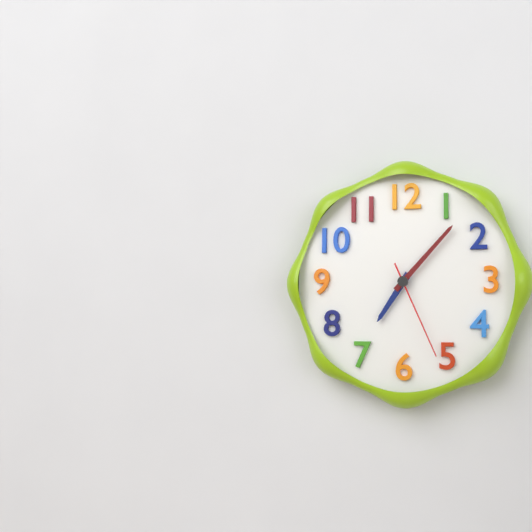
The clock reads 7.07.26
